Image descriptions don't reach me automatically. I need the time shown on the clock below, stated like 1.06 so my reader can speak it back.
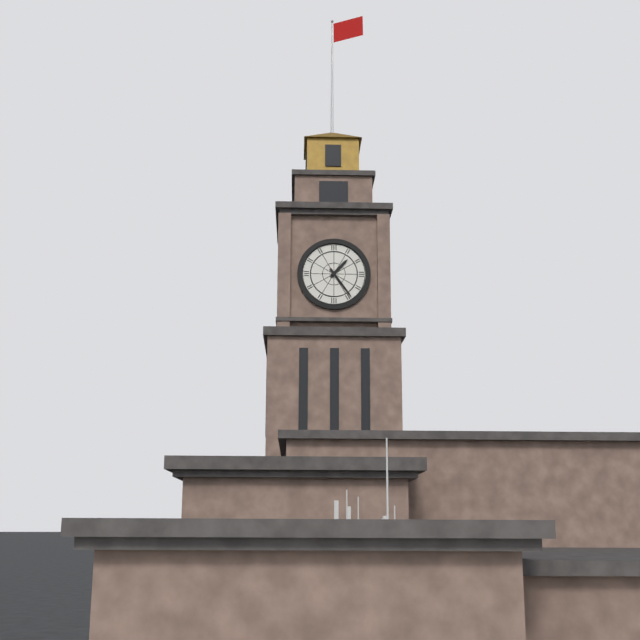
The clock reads 1.24
